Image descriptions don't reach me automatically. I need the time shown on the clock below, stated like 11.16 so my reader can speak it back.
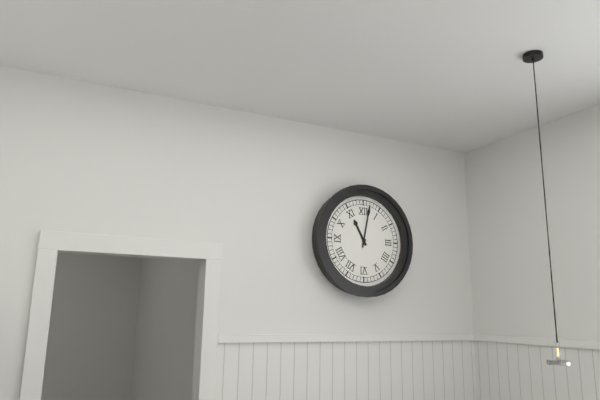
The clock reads 11.02
